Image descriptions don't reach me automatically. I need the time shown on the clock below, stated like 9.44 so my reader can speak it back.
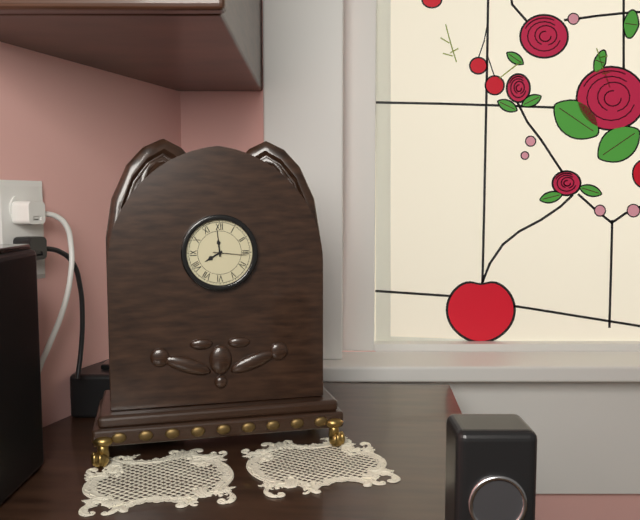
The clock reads 7.59
